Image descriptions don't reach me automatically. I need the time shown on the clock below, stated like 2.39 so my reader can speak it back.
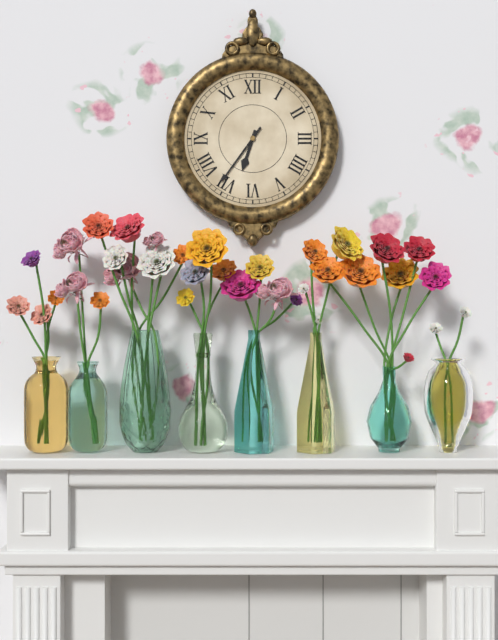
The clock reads 6.36
